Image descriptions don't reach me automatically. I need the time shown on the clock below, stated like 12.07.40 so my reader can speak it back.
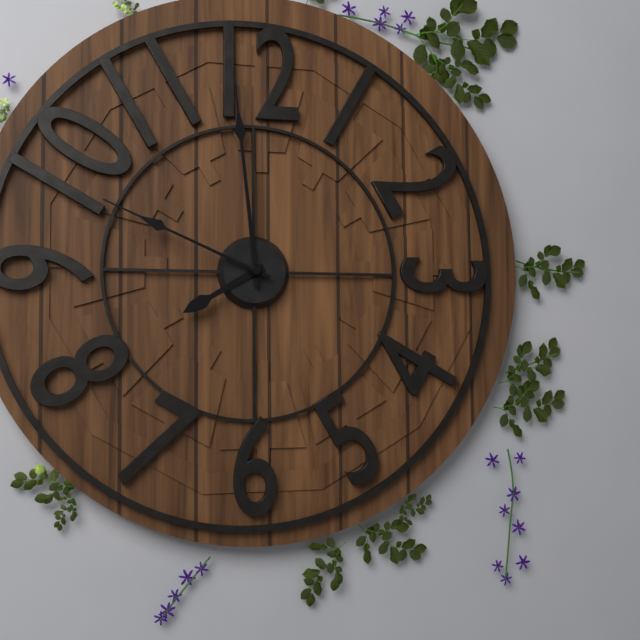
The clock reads 7.59.49
